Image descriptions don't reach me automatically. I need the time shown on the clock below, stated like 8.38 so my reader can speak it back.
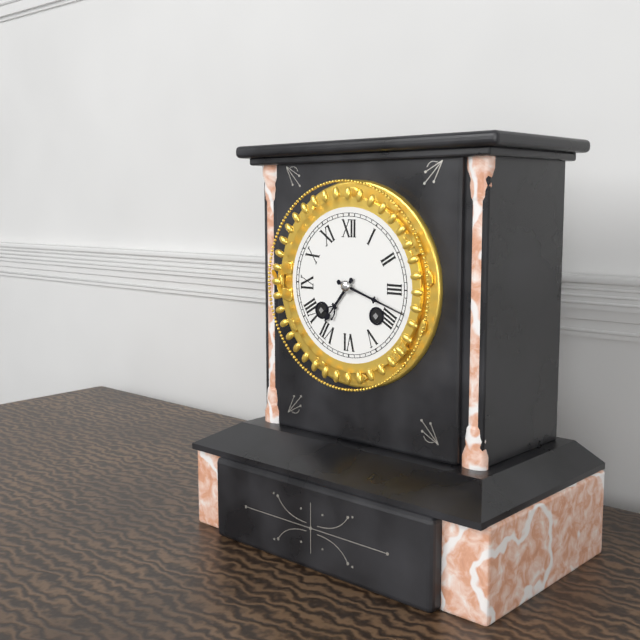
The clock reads 7.18
